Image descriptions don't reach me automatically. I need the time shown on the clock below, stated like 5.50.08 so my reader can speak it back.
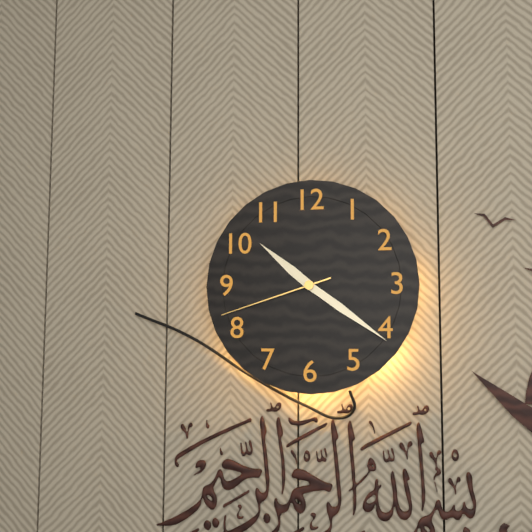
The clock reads 10.21.42
